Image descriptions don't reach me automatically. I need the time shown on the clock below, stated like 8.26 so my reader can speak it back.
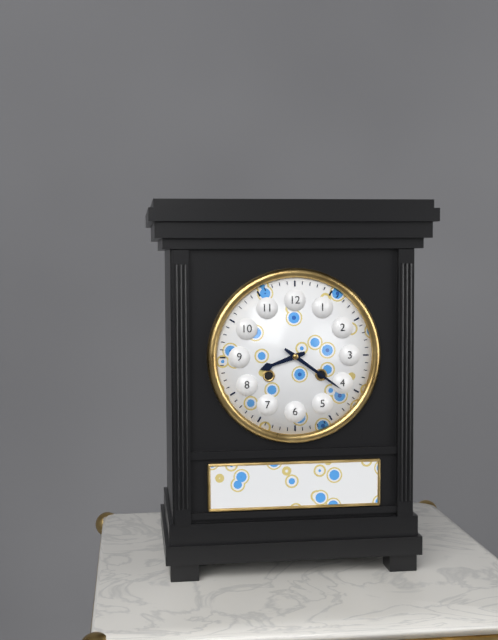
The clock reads 8.21
